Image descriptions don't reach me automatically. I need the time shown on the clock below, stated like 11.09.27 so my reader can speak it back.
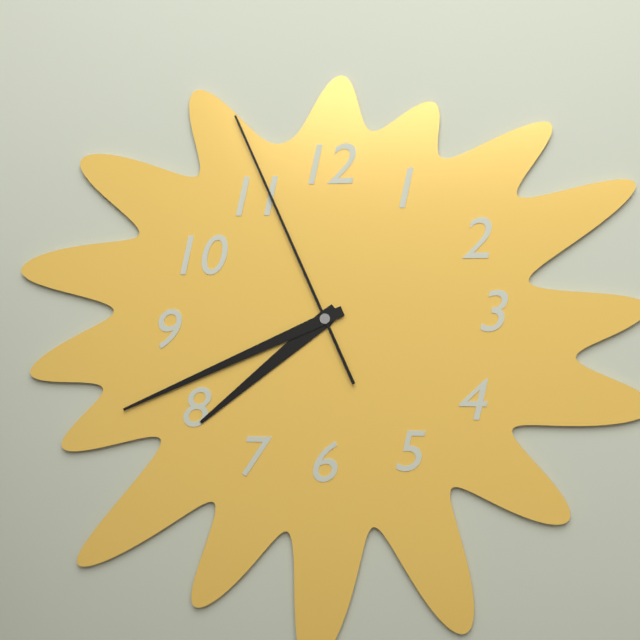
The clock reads 7.41.56
